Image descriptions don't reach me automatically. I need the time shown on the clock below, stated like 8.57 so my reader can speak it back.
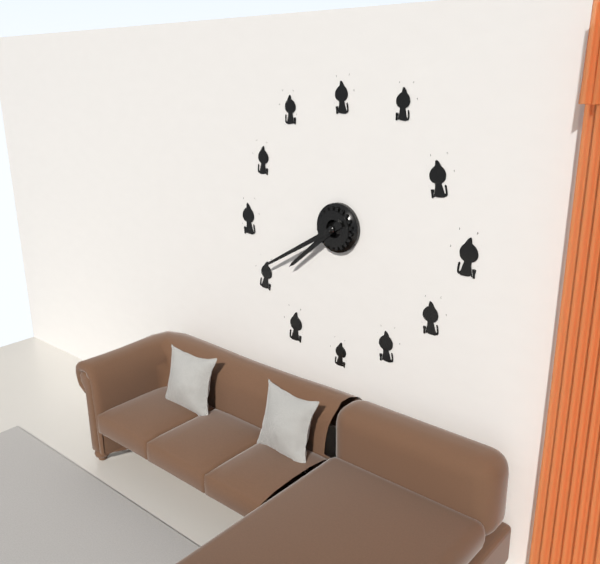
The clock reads 7.40
